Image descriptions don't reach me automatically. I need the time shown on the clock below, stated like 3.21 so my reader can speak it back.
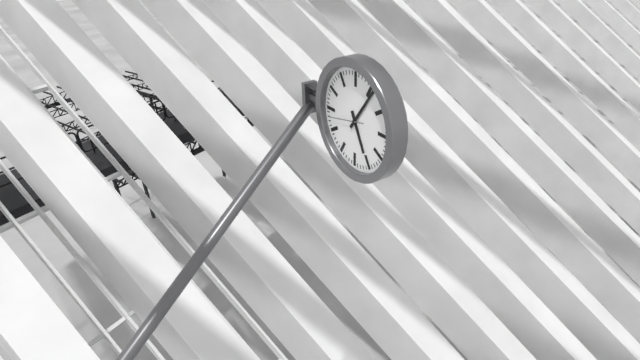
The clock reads 5.06
